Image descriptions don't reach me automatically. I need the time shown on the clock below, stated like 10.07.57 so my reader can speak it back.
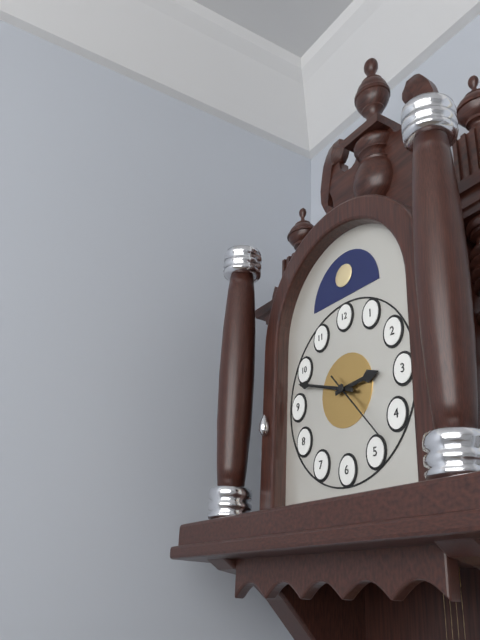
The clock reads 2.48.23
